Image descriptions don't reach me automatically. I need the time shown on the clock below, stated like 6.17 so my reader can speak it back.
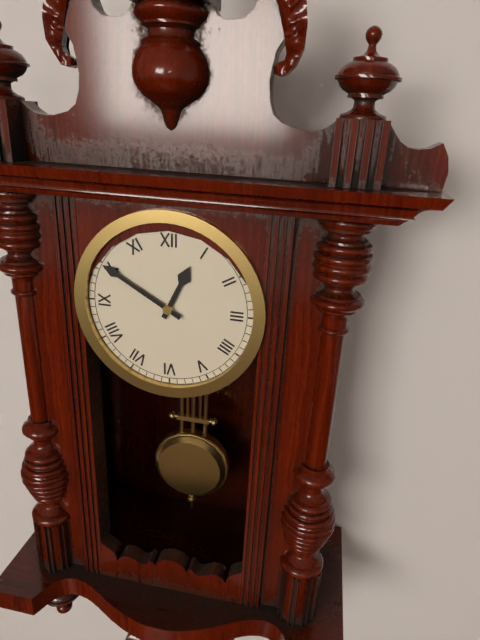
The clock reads 12.50
